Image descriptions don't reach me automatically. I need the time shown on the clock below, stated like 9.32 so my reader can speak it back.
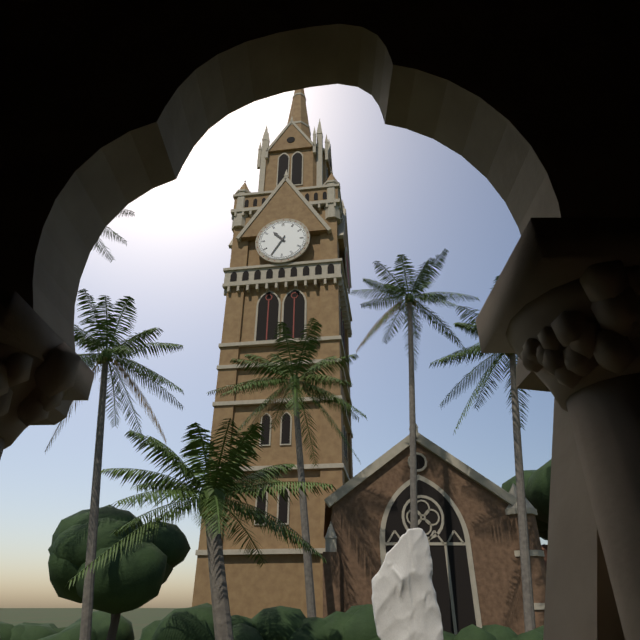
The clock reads 10.35
